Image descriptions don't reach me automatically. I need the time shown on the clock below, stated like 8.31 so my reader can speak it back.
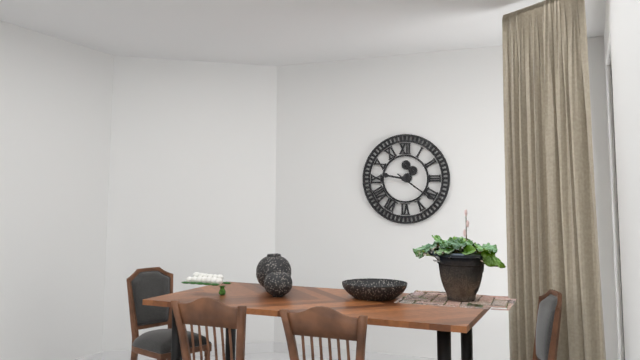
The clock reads 9.21
